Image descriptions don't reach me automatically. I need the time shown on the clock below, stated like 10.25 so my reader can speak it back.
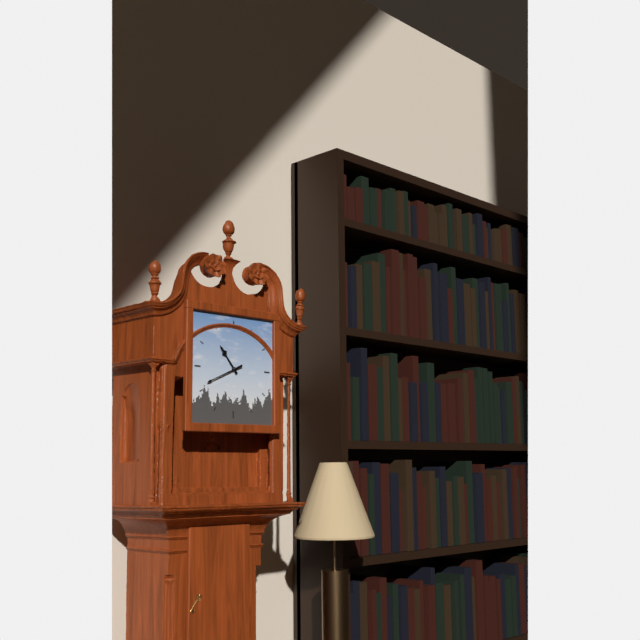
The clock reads 10.41
